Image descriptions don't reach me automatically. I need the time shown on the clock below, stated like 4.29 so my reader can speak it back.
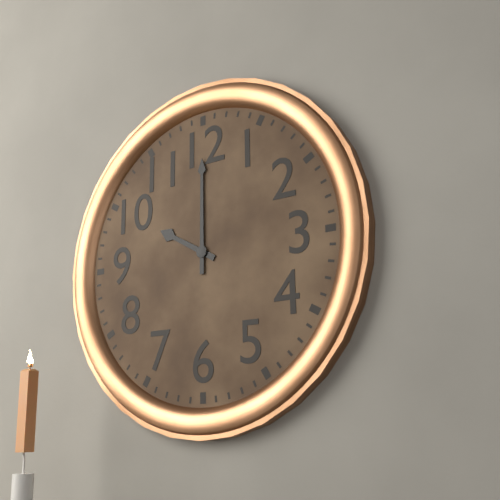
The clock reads 10.00
